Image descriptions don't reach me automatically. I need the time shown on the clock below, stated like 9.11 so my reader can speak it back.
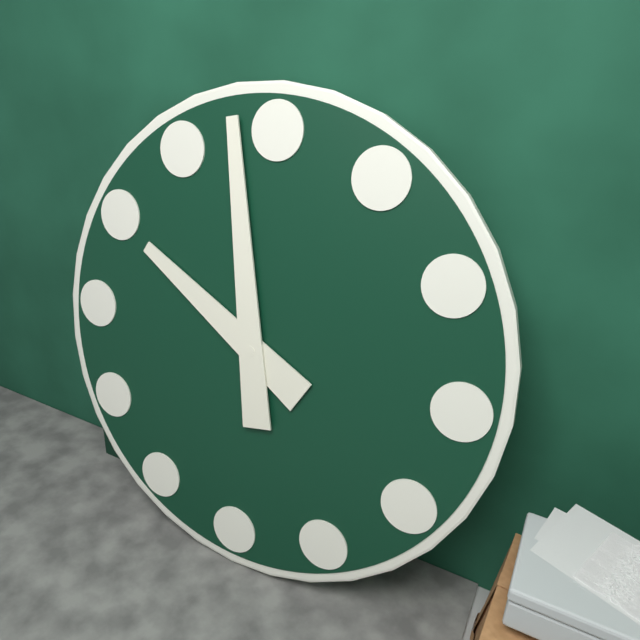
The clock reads 9.58
